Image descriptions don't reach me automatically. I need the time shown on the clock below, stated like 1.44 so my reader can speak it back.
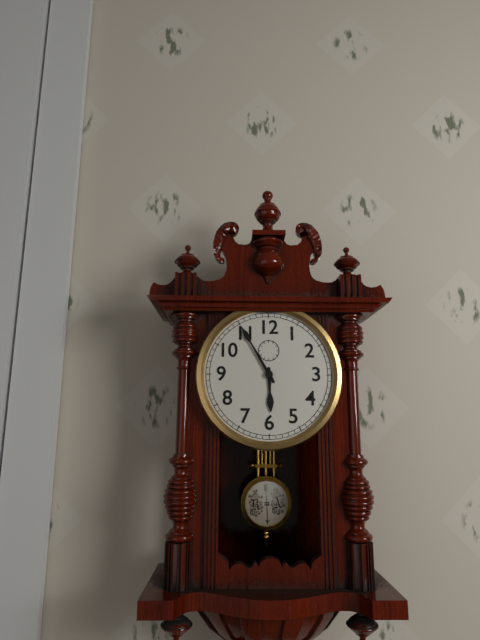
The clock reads 5.55
